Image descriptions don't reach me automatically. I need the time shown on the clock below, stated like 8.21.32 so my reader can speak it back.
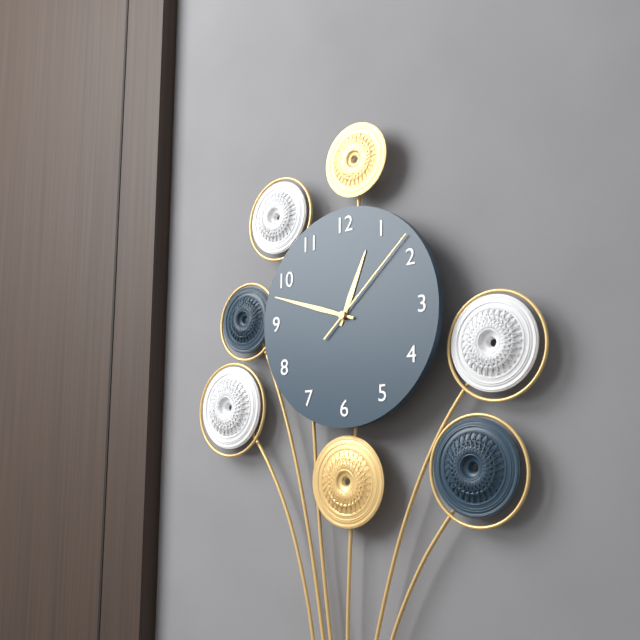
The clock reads 12.48.08
